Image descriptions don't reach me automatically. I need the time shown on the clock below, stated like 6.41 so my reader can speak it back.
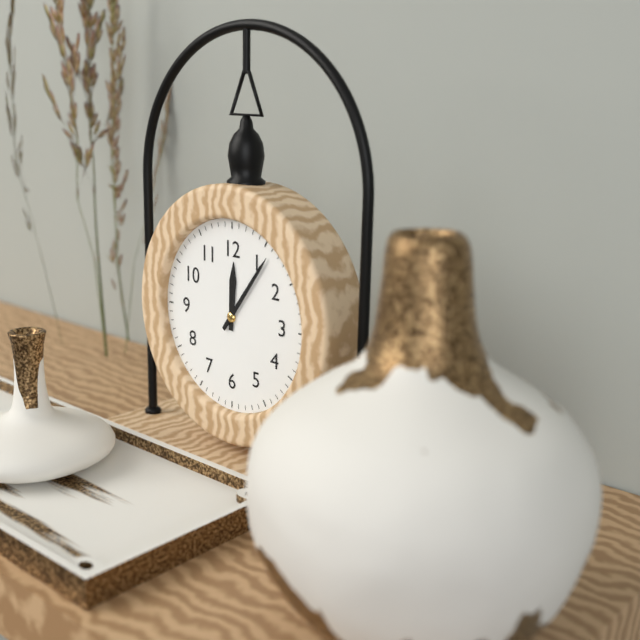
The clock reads 12.06
